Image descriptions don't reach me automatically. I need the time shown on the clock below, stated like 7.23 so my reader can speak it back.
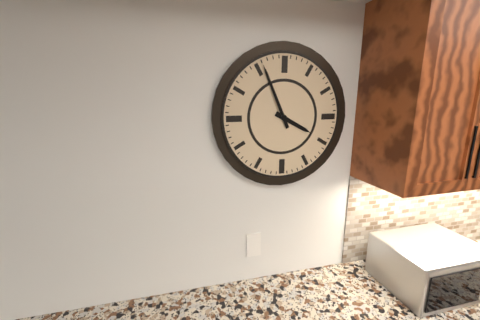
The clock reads 3.56
